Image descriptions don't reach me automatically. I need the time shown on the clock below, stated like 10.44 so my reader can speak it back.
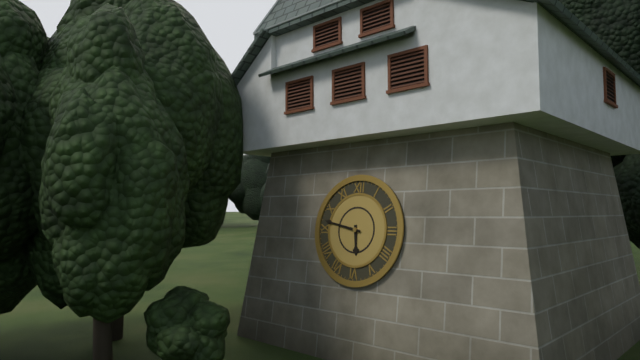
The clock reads 5.47
